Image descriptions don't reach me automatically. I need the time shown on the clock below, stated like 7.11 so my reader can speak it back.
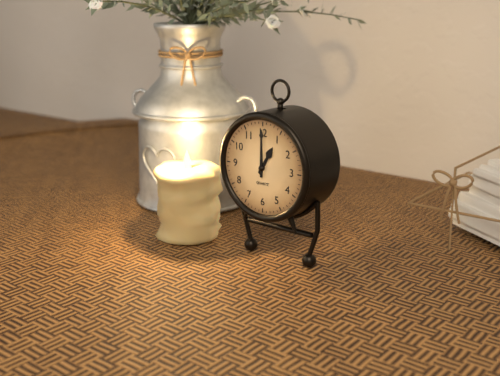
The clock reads 1.00
